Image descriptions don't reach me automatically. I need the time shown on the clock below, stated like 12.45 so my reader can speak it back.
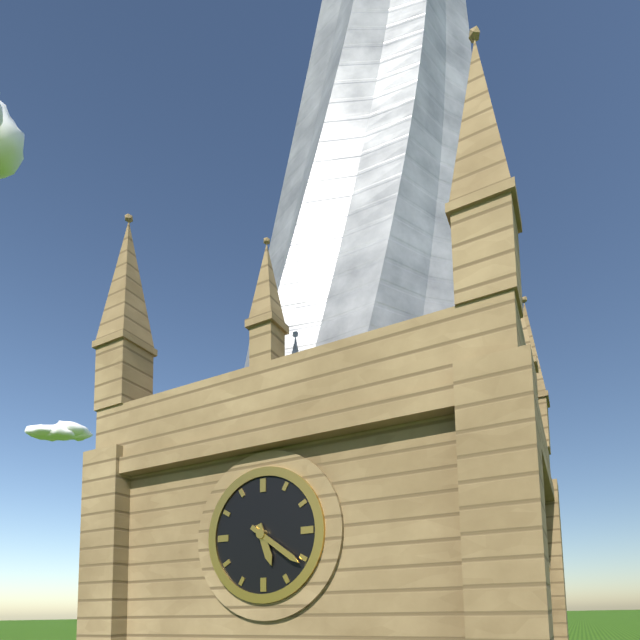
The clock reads 5.21
